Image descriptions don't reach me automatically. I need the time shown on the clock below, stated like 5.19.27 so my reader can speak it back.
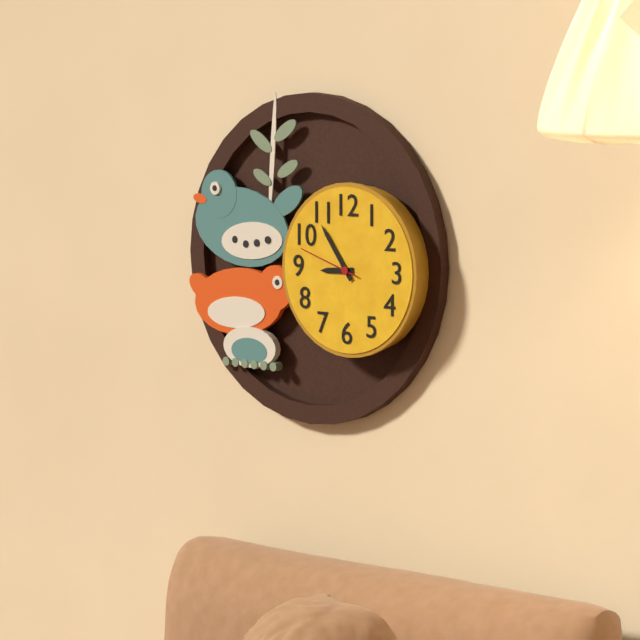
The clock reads 8.54.48
